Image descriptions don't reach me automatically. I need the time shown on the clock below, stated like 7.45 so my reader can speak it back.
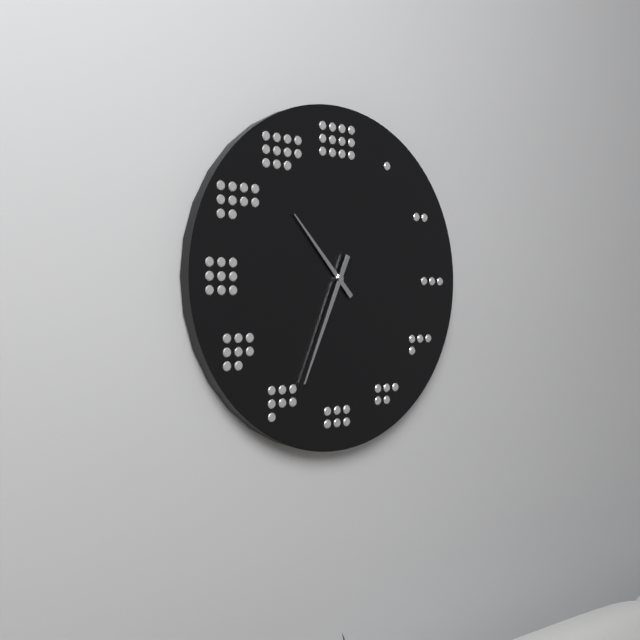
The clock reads 10.34
